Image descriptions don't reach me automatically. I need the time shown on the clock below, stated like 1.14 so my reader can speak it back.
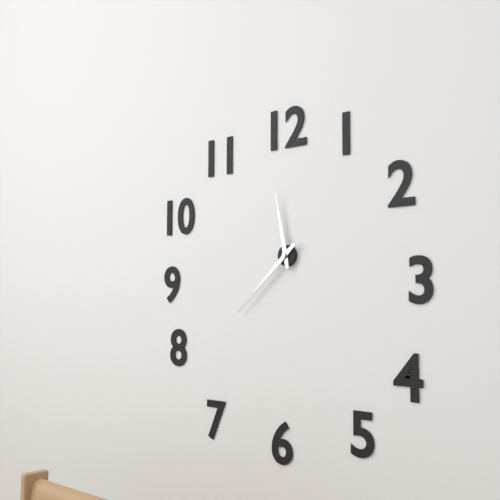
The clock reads 11.38
